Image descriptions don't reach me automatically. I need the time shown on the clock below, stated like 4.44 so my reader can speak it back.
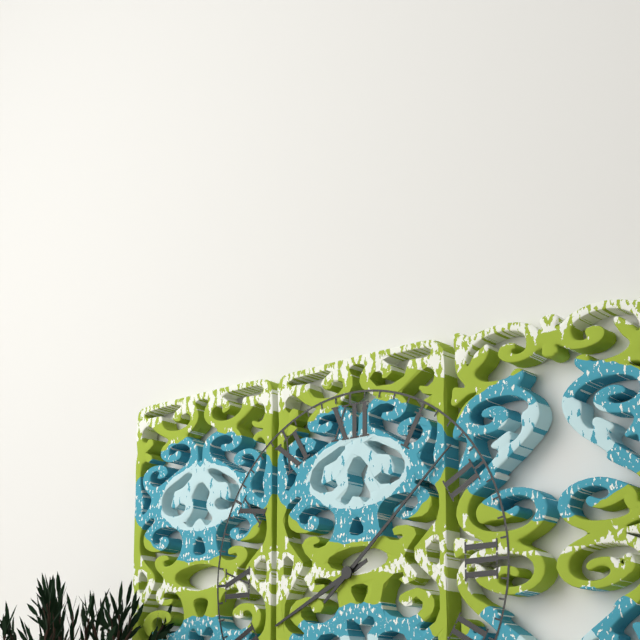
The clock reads 8.08
